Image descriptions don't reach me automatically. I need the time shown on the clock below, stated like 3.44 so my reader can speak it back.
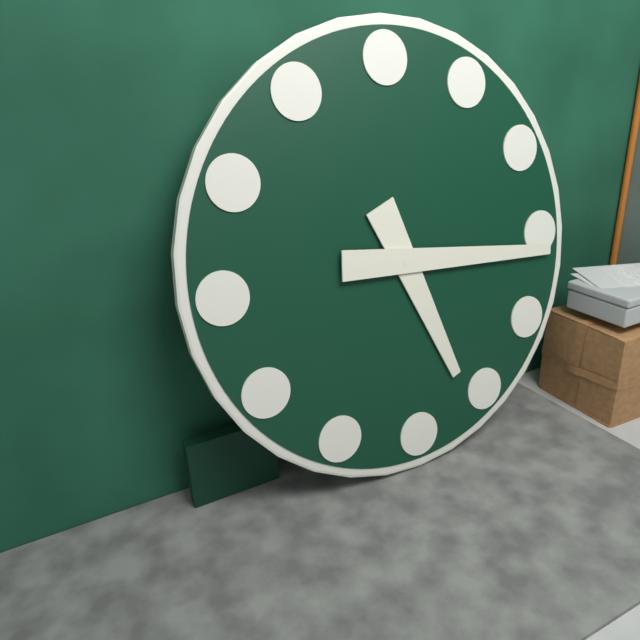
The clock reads 5.16
